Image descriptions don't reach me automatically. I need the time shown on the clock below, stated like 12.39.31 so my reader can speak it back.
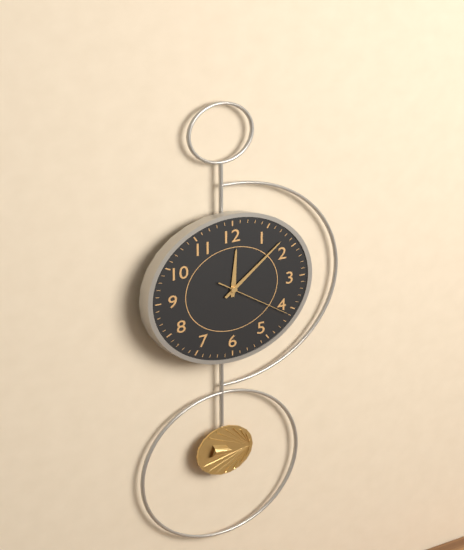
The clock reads 12.08.21
